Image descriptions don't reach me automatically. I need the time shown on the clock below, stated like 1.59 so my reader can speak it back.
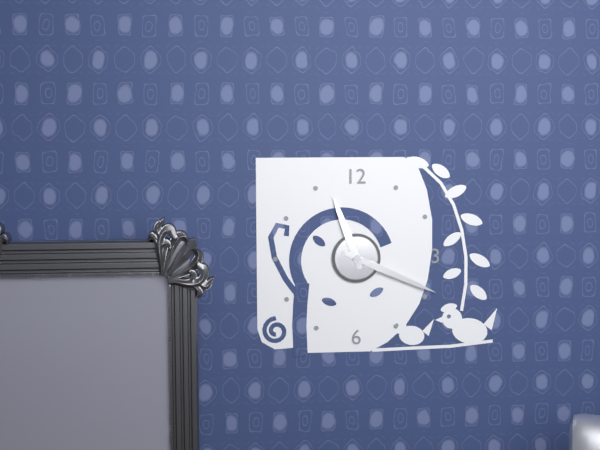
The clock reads 11.19
